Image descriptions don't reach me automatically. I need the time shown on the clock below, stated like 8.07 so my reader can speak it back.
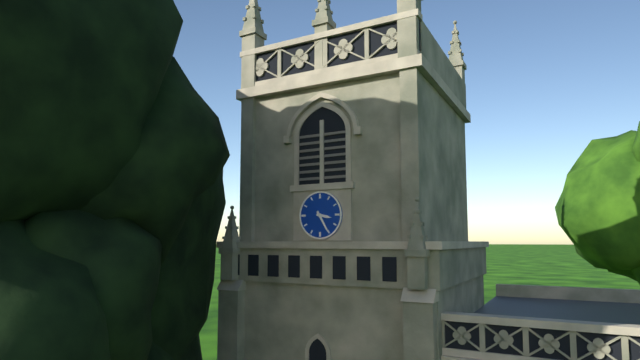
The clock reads 3.25
